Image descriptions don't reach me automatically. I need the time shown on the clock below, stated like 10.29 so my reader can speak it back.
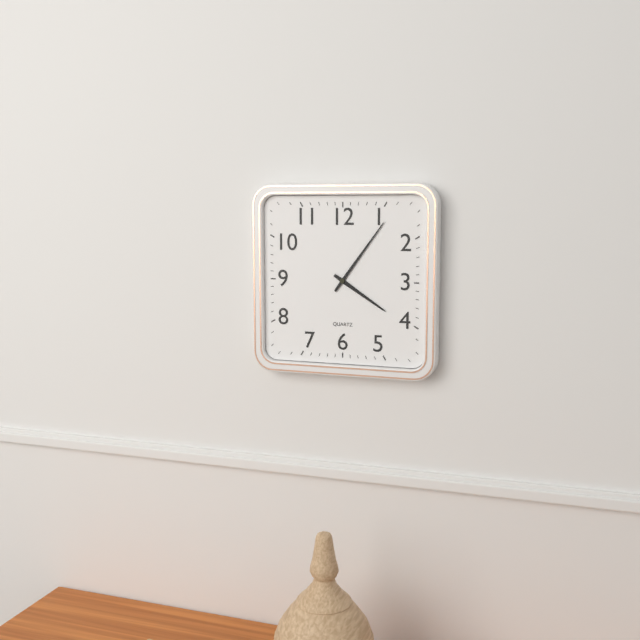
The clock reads 4.06
